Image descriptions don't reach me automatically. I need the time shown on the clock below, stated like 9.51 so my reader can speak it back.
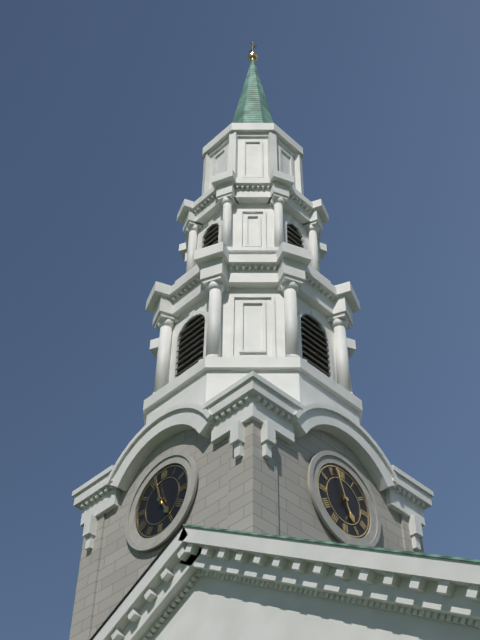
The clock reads 4.57
